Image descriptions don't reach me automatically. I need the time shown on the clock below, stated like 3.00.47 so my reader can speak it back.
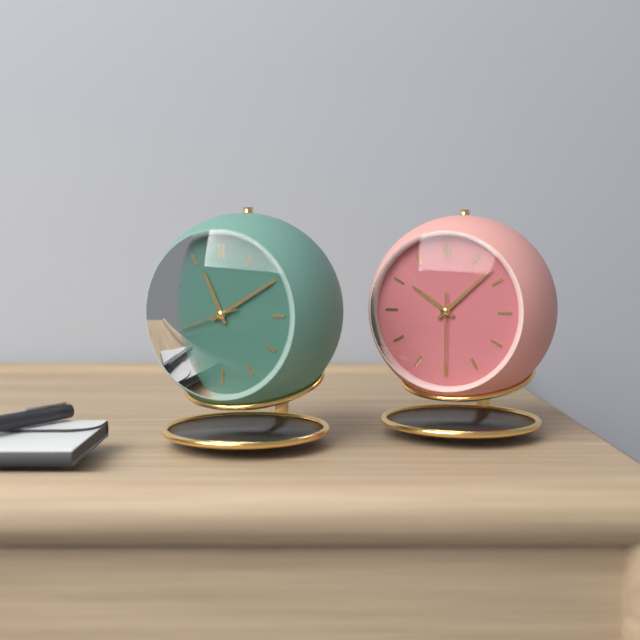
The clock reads 11.10.42
